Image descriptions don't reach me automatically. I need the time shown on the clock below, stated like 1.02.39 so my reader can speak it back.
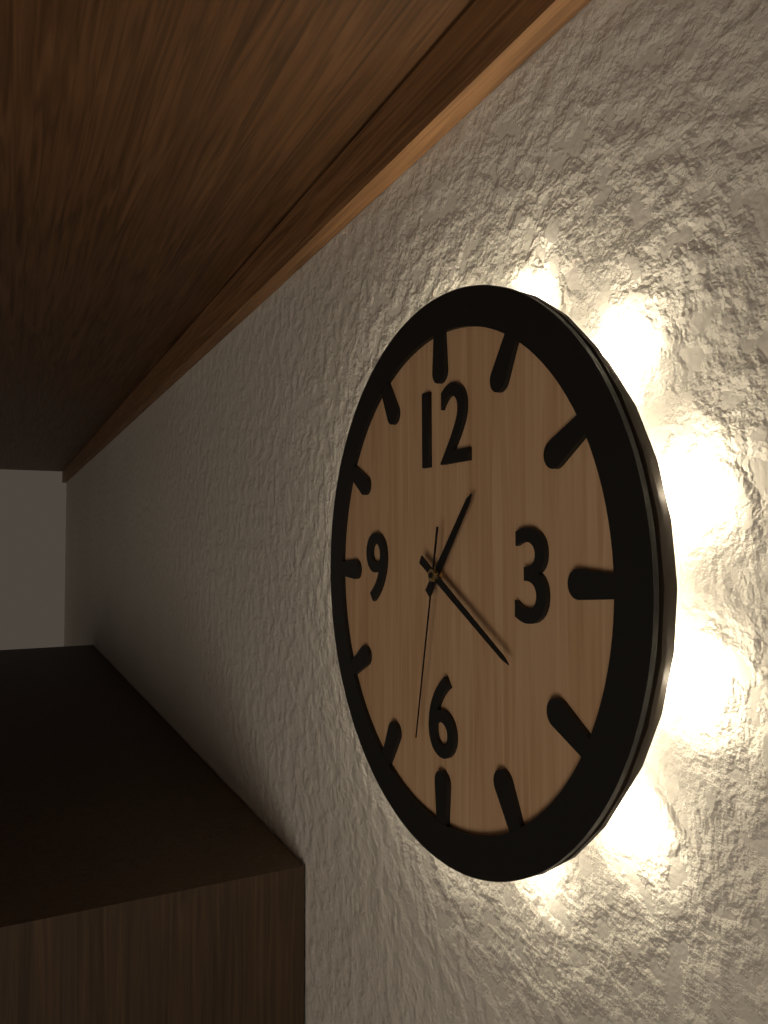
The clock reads 1.20.32
